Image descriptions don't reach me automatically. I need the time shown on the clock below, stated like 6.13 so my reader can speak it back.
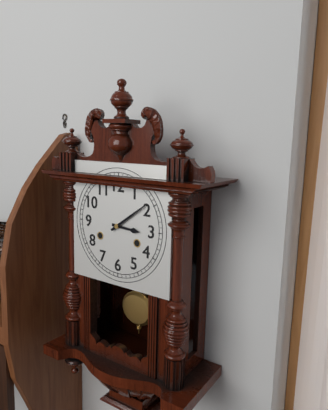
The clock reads 3.09
